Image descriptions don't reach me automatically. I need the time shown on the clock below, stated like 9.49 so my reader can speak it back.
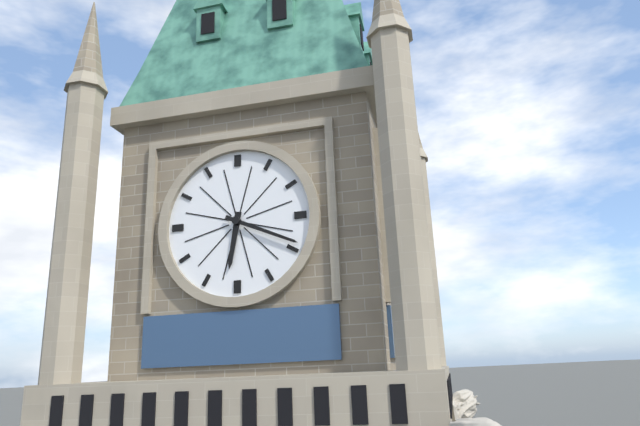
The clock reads 6.19
